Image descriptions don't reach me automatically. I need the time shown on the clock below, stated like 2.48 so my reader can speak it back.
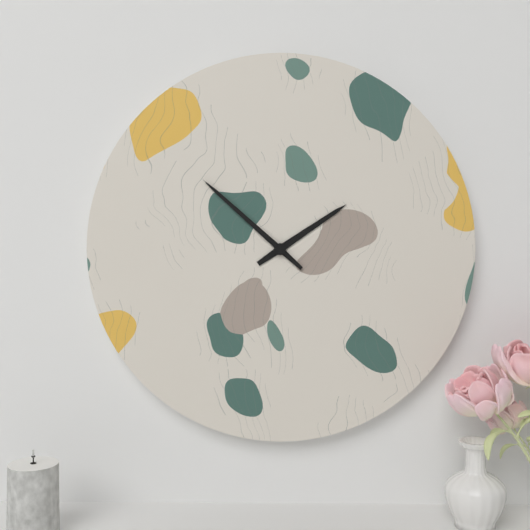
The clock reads 1.52
